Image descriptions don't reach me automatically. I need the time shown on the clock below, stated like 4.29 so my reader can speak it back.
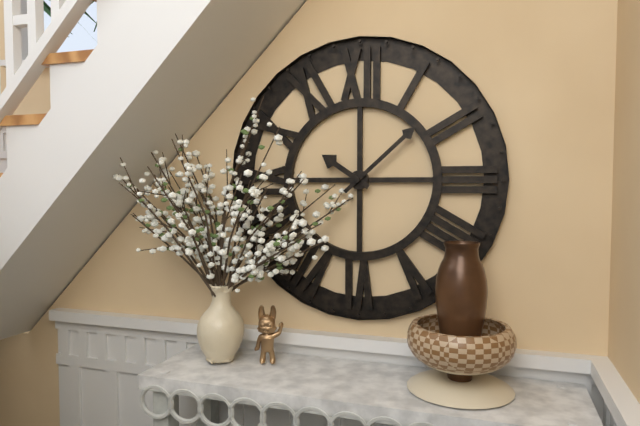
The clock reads 10.08
